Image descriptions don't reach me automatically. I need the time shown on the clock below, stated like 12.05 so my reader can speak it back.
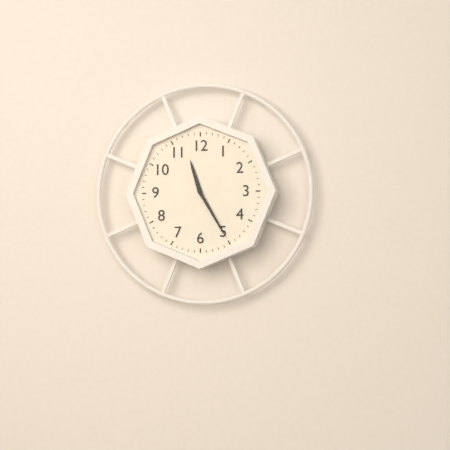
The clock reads 11.25
